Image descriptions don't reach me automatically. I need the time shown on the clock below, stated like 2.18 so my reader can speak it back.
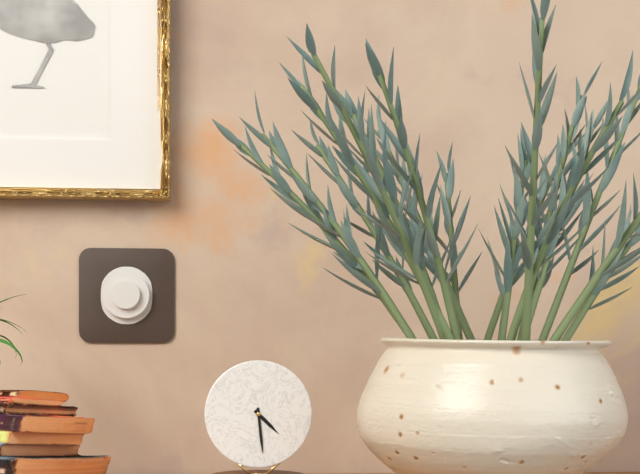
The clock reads 4.29
